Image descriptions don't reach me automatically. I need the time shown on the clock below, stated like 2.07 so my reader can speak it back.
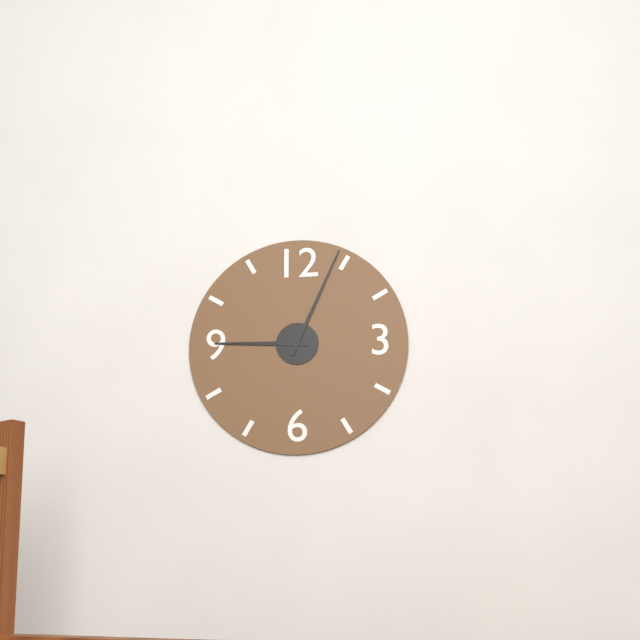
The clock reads 9.04
